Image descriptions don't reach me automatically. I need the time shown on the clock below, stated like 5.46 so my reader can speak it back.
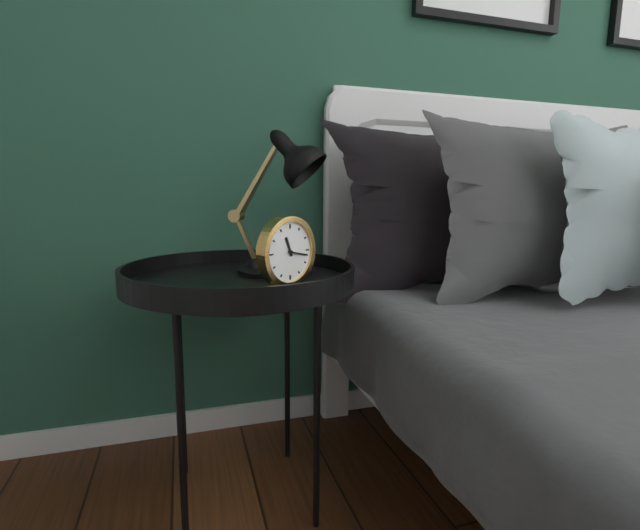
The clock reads 11.17
